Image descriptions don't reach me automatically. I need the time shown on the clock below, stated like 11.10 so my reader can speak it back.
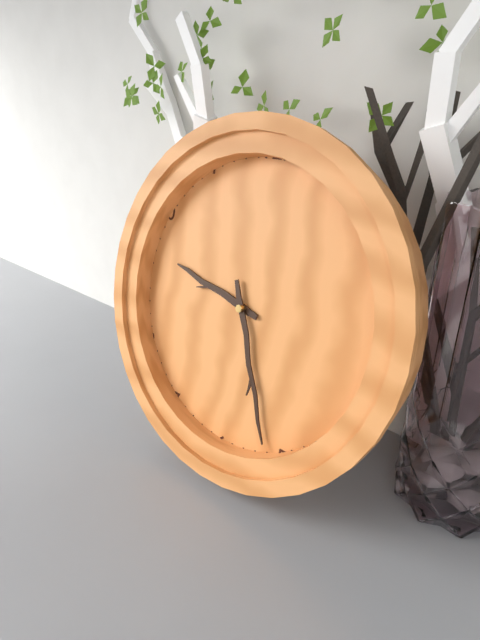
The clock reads 9.26
